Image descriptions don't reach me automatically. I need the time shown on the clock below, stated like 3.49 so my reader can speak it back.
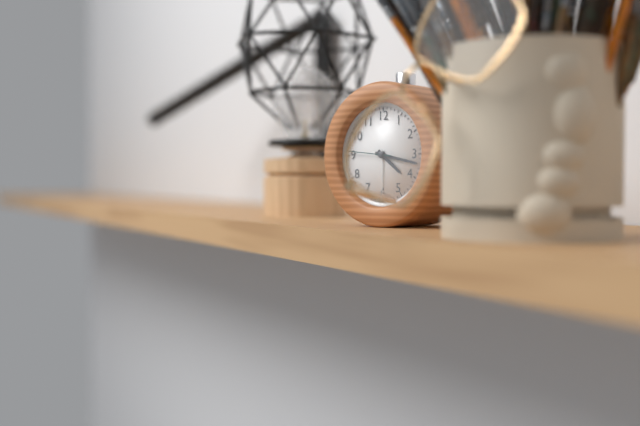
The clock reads 4.17
